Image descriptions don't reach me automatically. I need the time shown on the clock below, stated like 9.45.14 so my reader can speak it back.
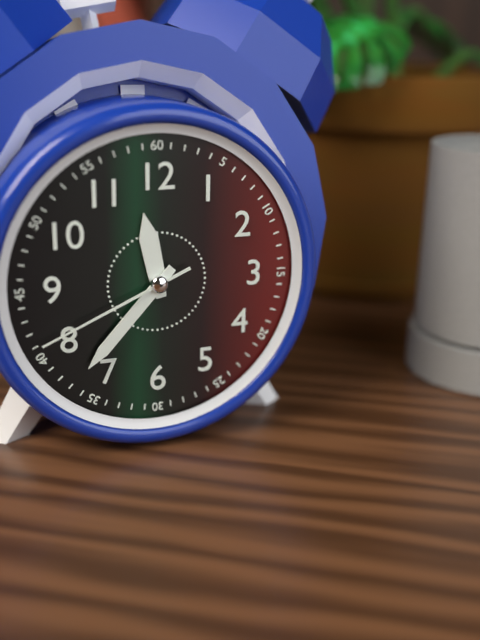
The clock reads 11.37.41
